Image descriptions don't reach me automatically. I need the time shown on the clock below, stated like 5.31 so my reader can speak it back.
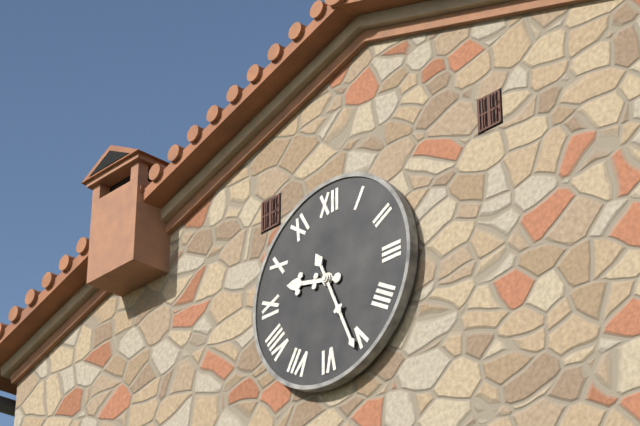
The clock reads 9.26
